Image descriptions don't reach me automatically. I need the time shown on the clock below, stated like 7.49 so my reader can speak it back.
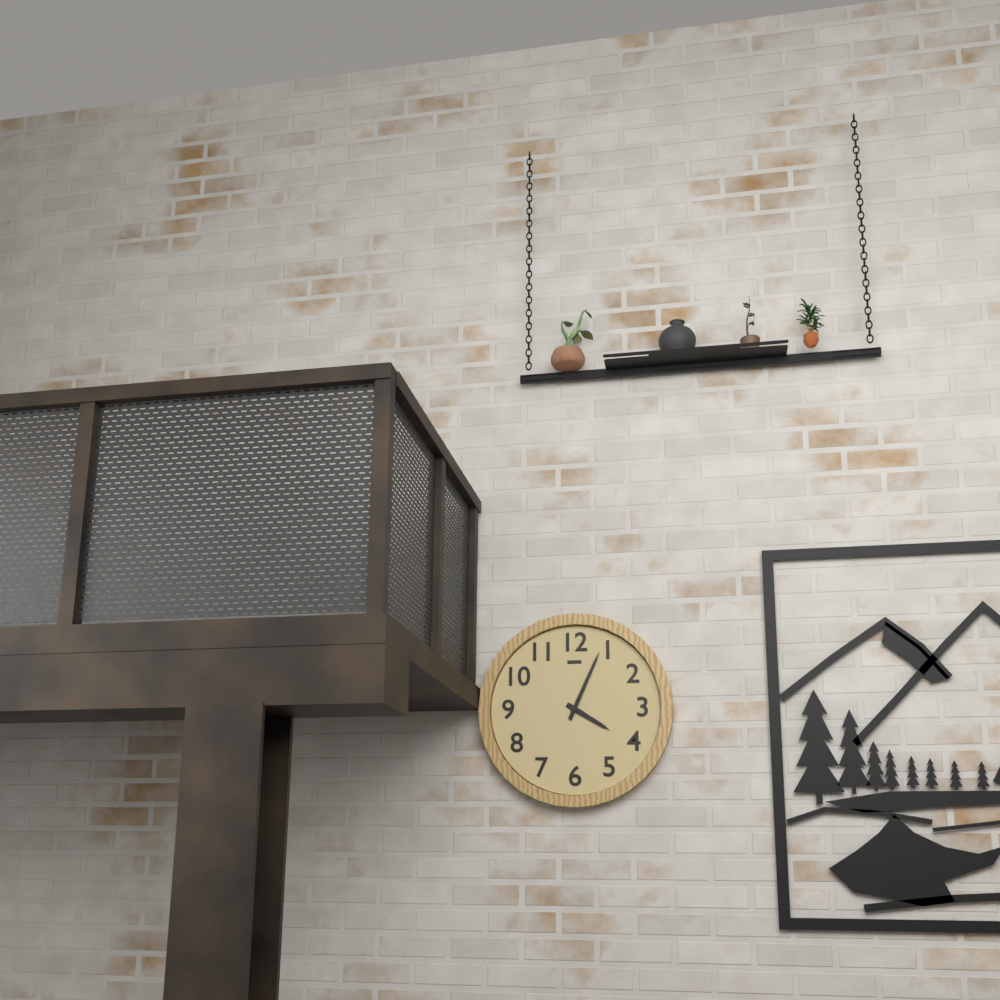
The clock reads 4.04
